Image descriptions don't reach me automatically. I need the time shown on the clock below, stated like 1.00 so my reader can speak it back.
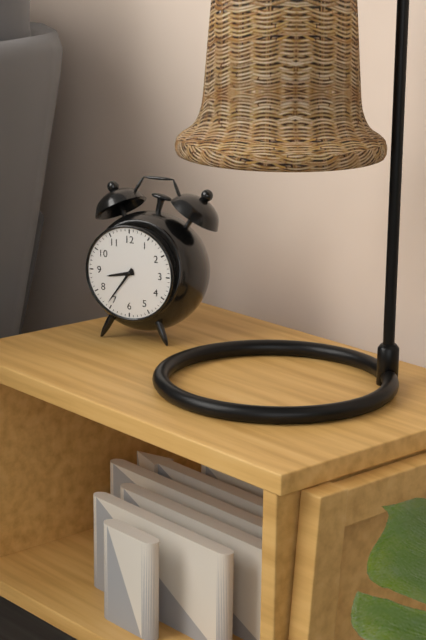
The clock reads 8.36
